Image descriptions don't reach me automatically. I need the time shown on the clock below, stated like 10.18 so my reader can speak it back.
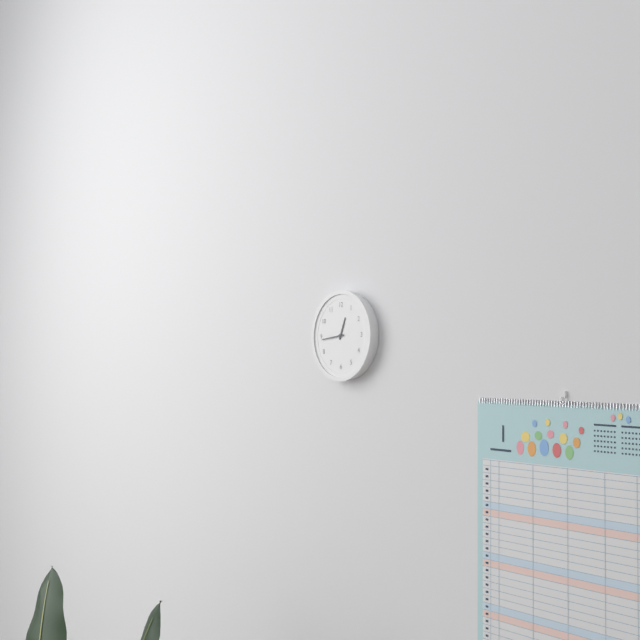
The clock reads 12.44
